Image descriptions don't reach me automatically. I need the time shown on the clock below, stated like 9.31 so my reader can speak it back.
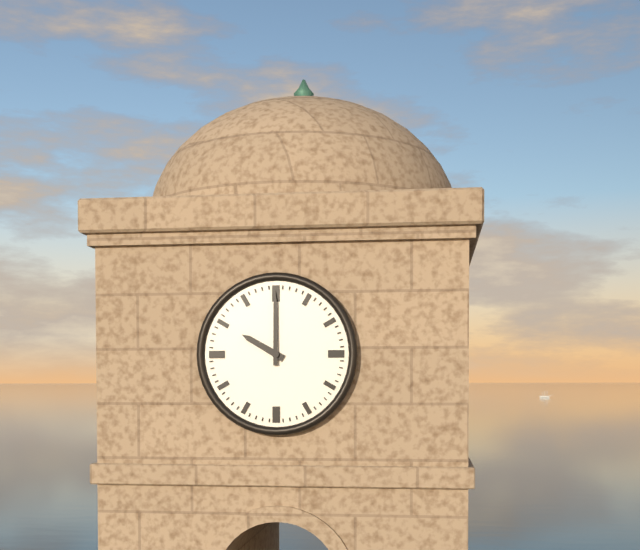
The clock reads 10.00
